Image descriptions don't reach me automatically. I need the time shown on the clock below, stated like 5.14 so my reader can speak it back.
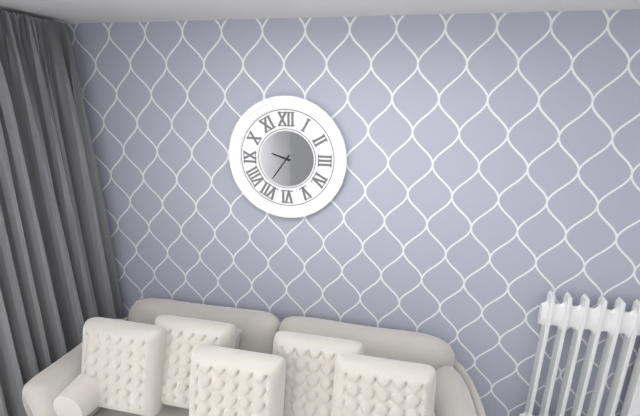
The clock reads 9.36
